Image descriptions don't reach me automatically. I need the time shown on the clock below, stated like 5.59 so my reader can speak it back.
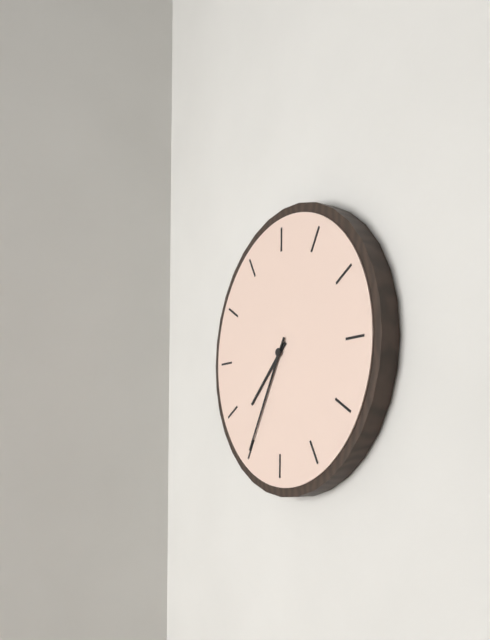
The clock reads 7.35
